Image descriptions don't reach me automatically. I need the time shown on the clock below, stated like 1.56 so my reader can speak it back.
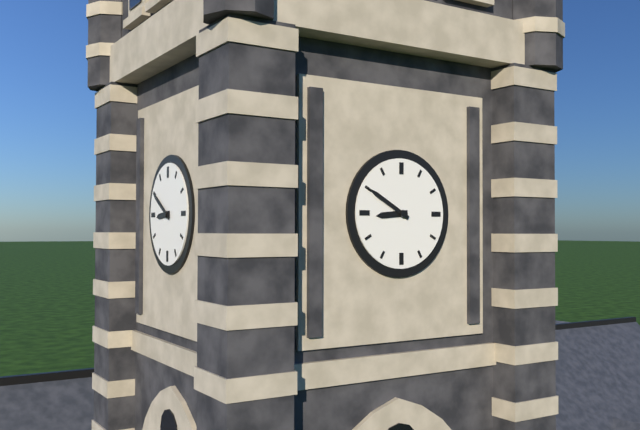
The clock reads 8.50
